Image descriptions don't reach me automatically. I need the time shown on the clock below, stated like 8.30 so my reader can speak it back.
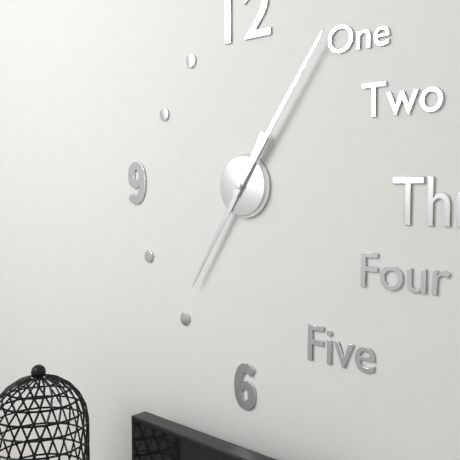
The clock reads 7.06
